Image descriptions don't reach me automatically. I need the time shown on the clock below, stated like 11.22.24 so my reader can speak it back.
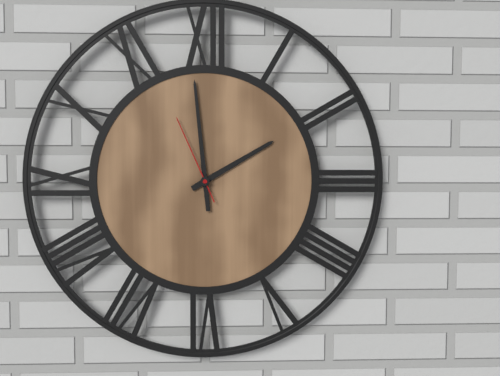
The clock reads 1.59.56
